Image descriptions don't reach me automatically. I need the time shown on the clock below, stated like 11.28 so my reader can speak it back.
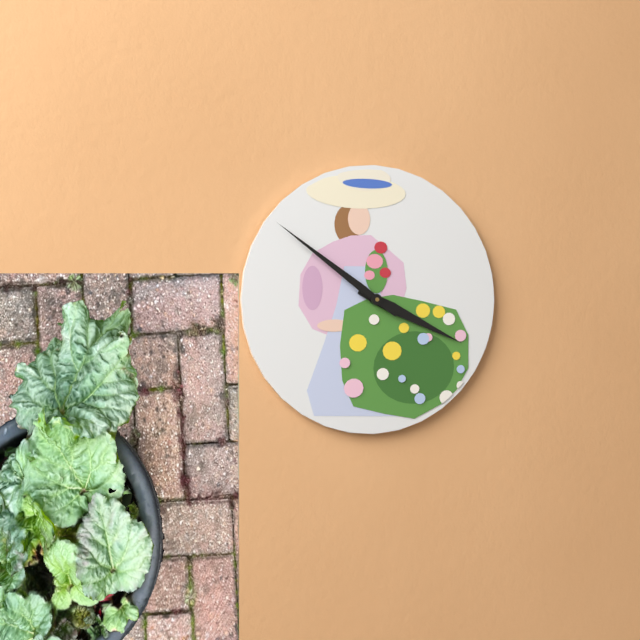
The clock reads 3.51
